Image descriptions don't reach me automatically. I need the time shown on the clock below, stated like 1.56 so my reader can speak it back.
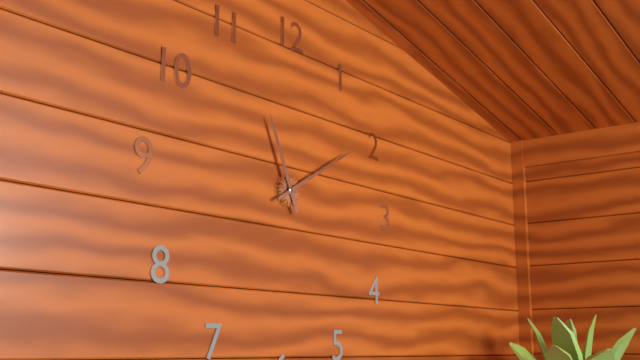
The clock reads 11.10
